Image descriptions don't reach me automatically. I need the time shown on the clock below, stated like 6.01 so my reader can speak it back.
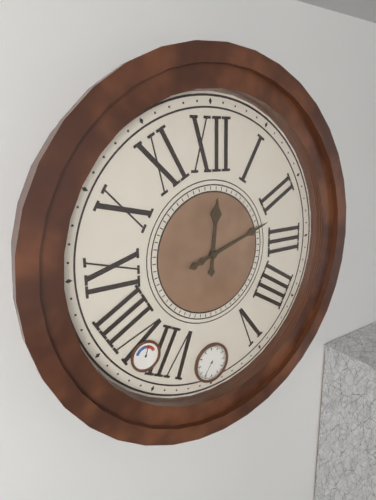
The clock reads 12.12
